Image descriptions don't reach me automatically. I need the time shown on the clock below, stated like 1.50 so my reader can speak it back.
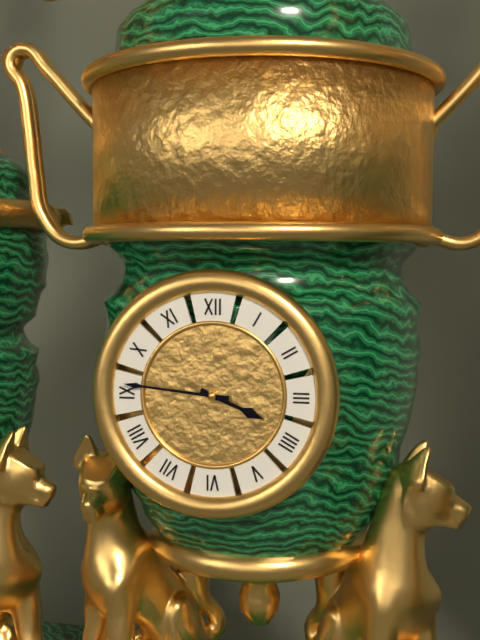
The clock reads 3.46
